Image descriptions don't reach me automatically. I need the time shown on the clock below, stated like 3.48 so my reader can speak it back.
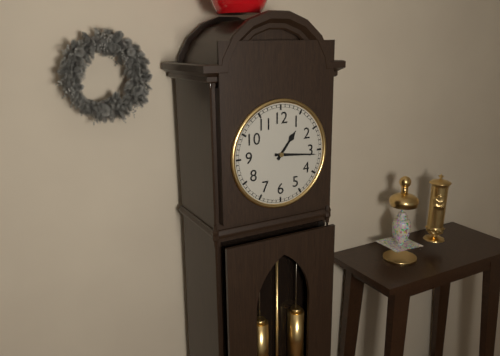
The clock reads 1.16
